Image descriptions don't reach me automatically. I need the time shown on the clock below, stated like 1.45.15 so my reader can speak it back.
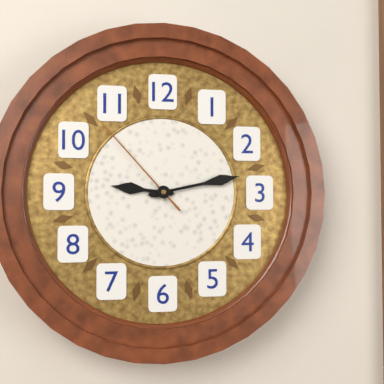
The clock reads 9.13.53
